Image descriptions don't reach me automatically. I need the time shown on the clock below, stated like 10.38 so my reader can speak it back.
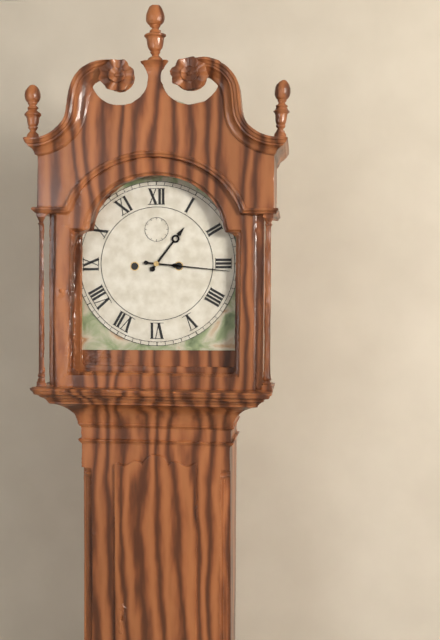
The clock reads 1.16
